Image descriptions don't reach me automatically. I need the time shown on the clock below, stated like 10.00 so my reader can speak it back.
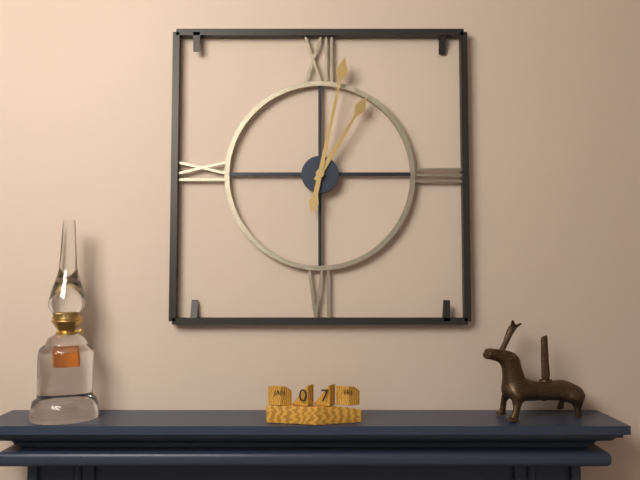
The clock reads 1.02
